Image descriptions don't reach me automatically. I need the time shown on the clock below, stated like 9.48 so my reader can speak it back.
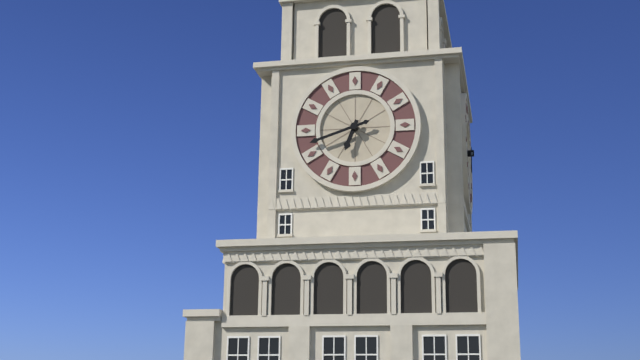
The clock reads 6.42
